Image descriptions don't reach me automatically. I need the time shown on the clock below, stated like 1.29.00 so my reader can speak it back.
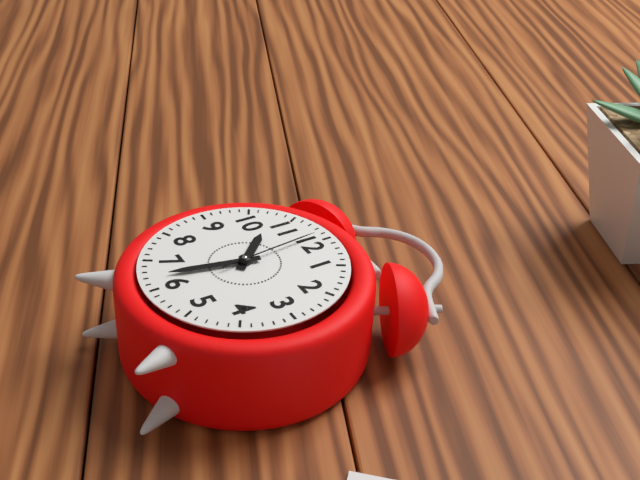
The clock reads 10.32.59
